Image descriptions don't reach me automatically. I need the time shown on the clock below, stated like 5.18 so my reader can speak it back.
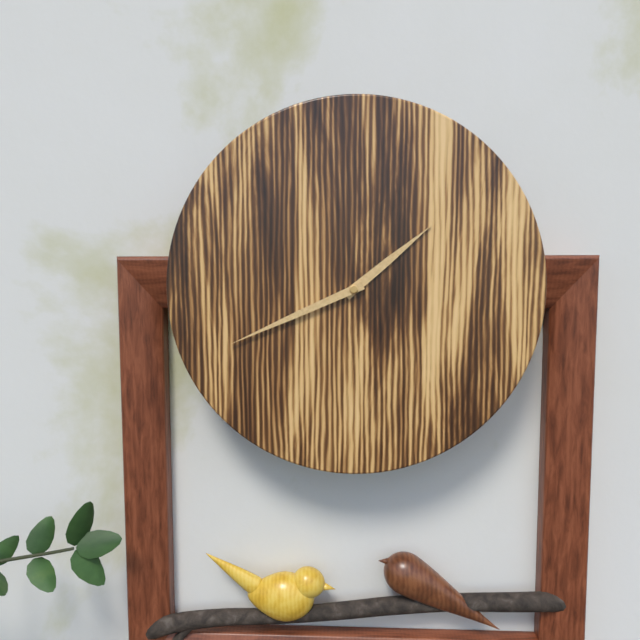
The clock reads 1.41
